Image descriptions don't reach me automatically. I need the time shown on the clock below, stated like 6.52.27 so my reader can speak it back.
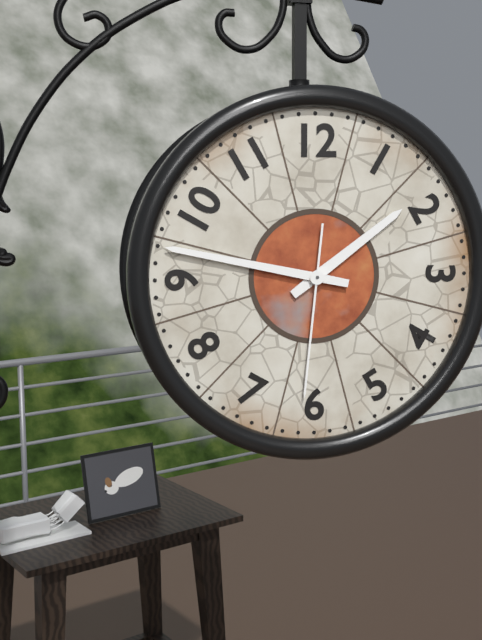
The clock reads 1.47.31
